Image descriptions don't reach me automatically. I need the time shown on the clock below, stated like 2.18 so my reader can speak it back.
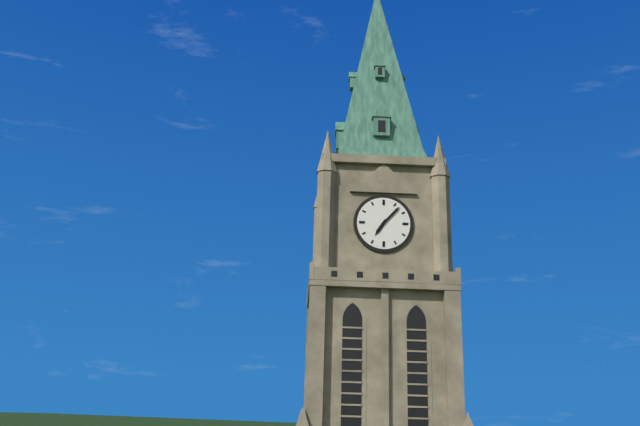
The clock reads 7.07
